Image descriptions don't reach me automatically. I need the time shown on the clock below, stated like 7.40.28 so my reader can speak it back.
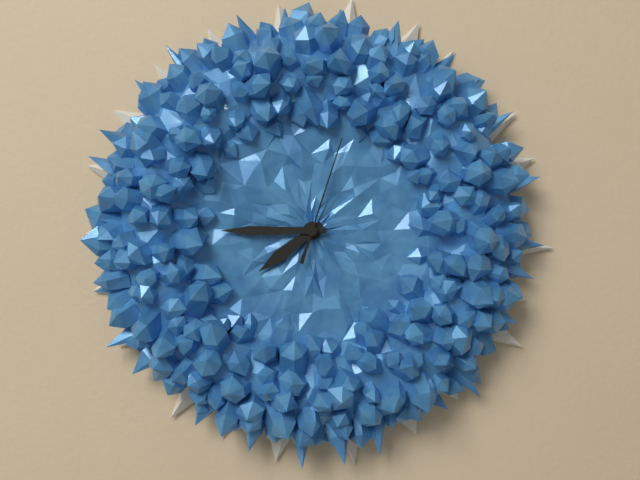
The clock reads 7.45.03
